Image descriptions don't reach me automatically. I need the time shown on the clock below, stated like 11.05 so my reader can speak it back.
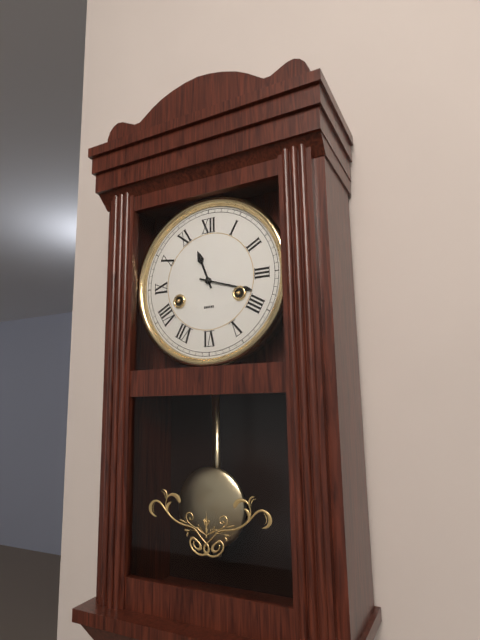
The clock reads 11.18
